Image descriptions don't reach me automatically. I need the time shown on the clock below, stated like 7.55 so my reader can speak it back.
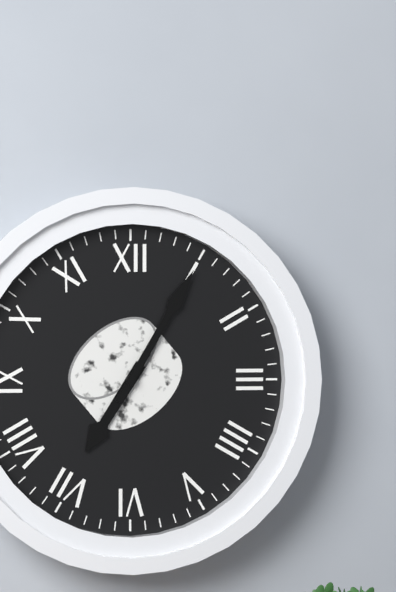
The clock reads 7.05
